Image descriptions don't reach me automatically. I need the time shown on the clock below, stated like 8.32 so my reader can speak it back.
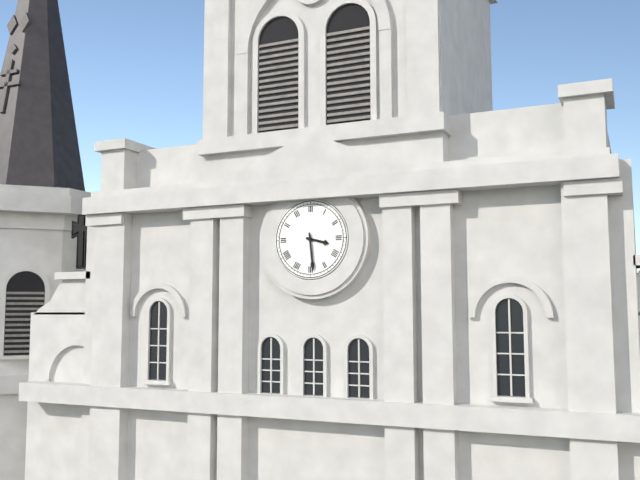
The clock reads 3.29
